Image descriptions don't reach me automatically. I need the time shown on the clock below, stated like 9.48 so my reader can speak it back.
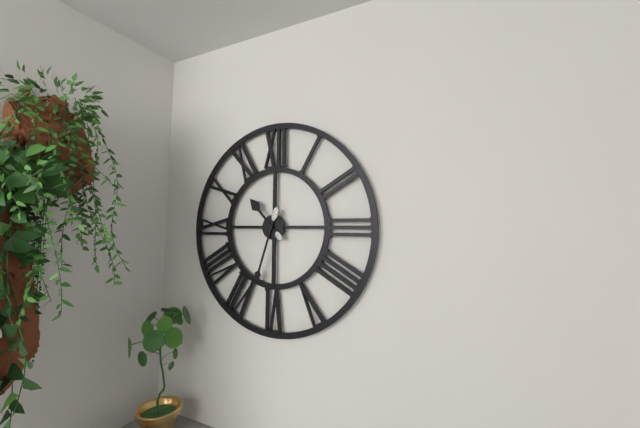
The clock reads 10.33
